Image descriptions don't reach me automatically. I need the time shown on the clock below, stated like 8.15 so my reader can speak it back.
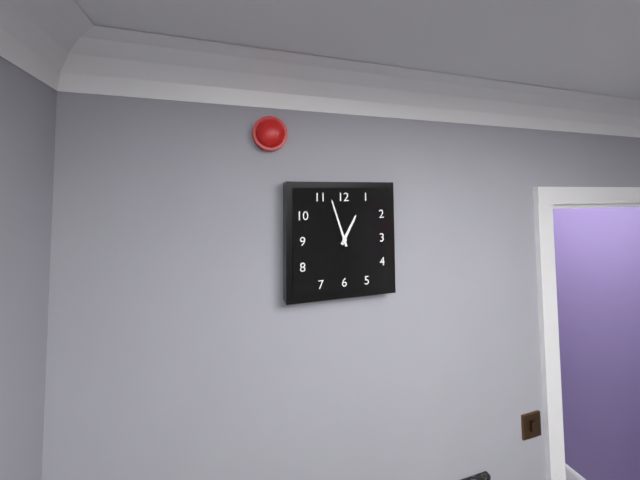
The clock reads 12.57
